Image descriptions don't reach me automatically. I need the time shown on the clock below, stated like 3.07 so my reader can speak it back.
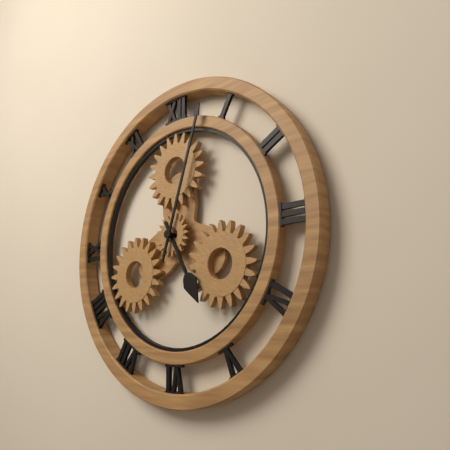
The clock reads 5.03
